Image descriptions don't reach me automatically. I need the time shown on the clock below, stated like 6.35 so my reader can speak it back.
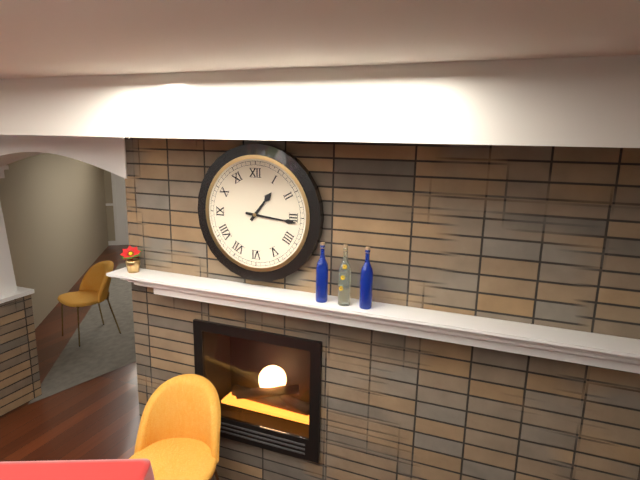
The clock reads 1.16
